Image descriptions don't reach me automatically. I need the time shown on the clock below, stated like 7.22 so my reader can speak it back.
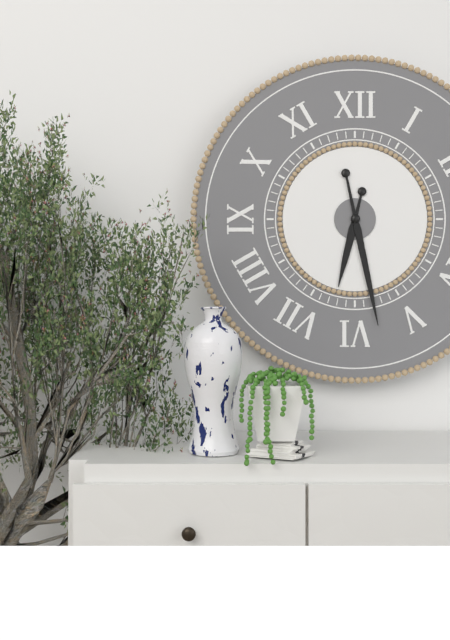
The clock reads 6.28
